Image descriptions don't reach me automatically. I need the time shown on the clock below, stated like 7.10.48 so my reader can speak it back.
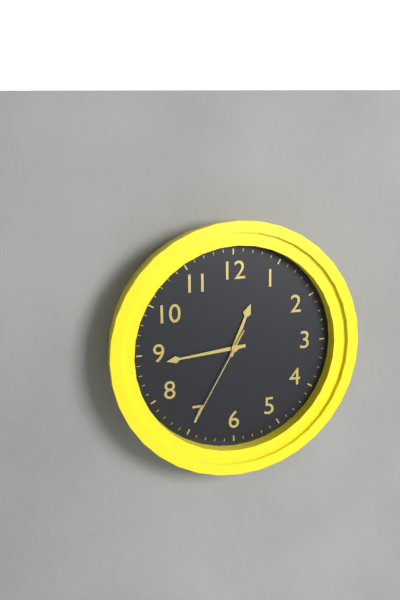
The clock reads 12.44.35
